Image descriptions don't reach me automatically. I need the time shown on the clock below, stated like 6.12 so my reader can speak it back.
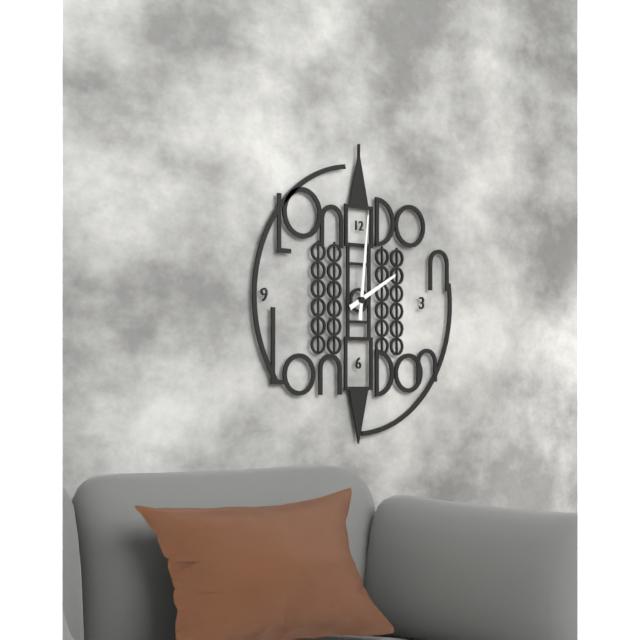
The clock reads 2.01
